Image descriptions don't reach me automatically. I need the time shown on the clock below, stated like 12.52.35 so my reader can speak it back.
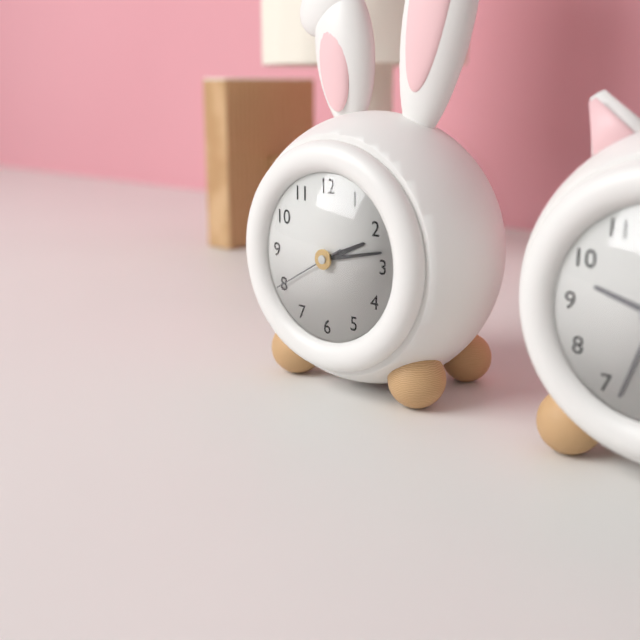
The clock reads 2.13.40
